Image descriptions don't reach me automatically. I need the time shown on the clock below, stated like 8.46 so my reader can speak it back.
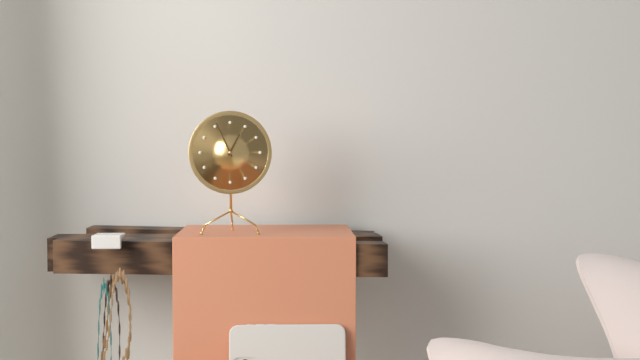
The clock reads 12.56
